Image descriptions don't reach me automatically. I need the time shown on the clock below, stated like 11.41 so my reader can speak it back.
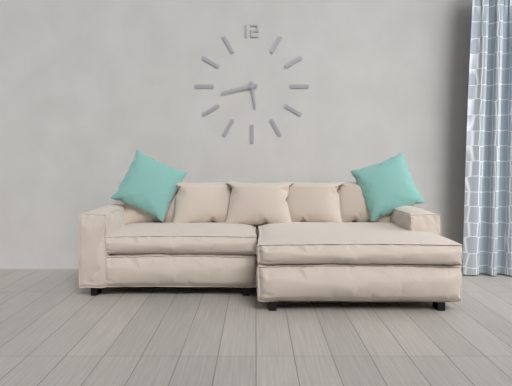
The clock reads 5.43
